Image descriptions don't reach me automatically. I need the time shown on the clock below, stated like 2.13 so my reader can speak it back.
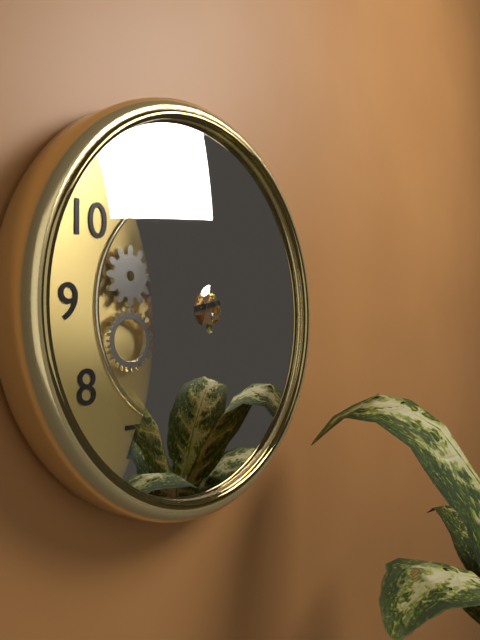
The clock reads 11.13
